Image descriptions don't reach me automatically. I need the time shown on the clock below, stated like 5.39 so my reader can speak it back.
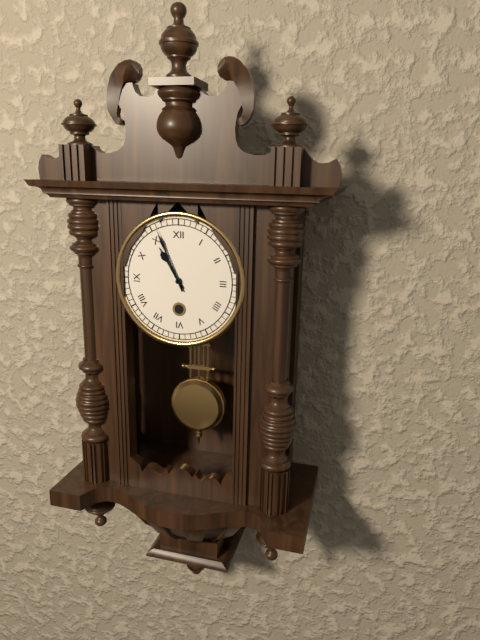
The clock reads 10.56
